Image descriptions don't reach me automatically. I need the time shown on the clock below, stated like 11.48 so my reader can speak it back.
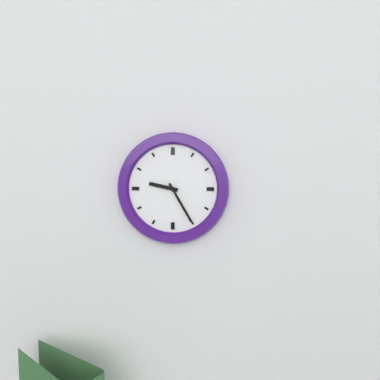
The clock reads 9.25
